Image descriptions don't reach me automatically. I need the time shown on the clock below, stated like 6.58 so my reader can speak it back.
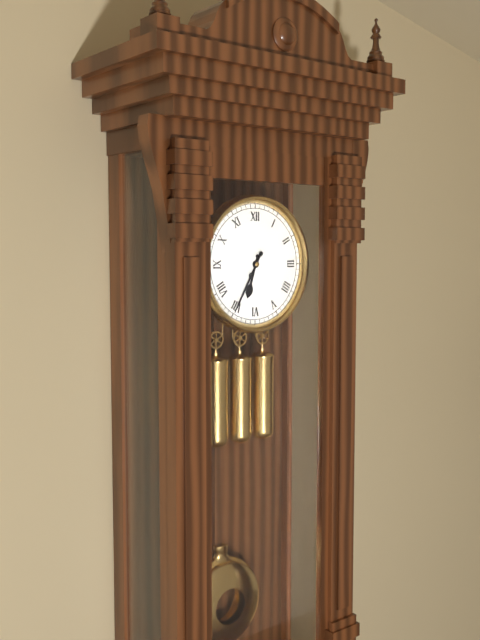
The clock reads 6.35
